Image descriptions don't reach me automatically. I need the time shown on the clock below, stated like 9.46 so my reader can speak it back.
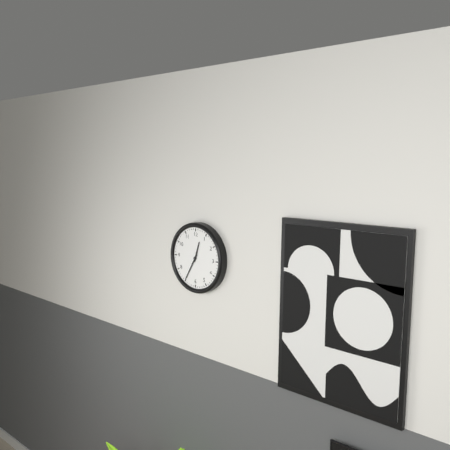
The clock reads 12.35
